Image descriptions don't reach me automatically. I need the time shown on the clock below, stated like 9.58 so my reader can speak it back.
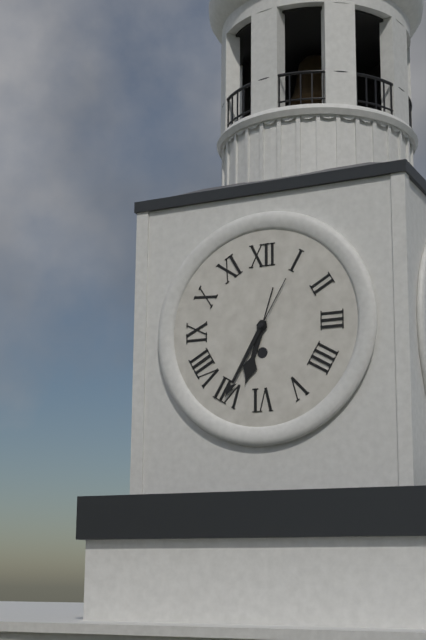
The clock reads 6.35
